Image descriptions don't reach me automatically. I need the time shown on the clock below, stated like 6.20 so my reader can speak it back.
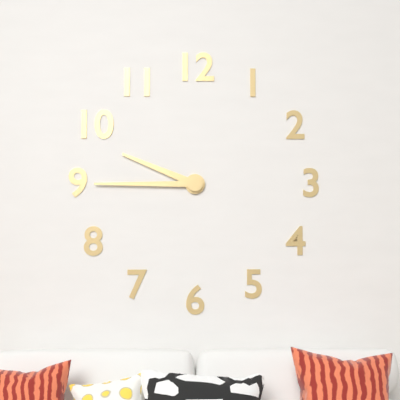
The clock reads 9.45
